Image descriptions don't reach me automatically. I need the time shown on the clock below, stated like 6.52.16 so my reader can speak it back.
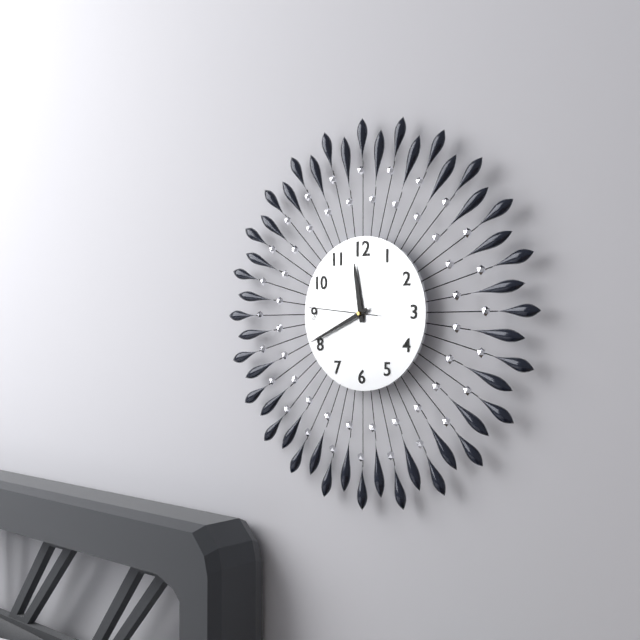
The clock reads 11.41.46
